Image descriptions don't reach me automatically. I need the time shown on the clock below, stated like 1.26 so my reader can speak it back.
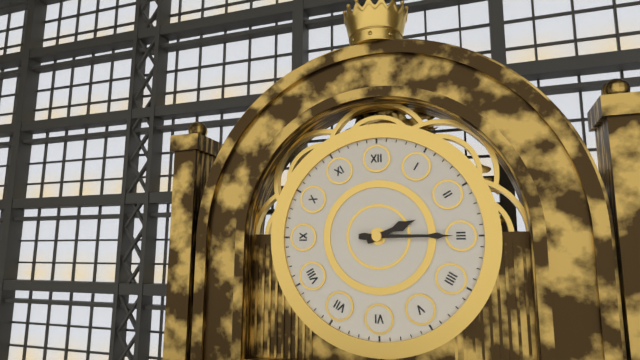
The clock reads 2.15
